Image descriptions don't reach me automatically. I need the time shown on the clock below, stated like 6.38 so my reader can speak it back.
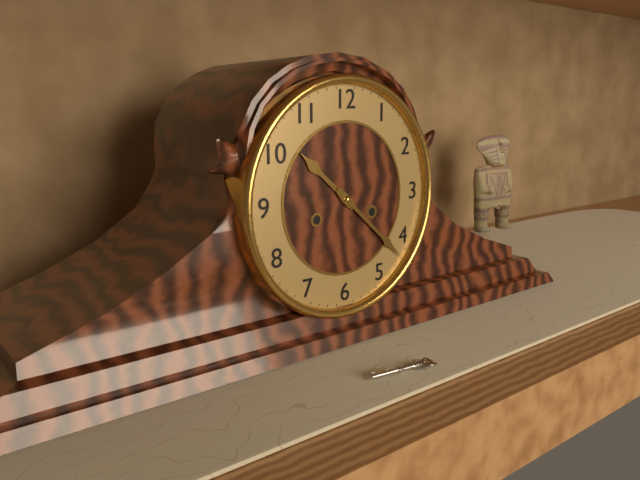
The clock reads 10.22
